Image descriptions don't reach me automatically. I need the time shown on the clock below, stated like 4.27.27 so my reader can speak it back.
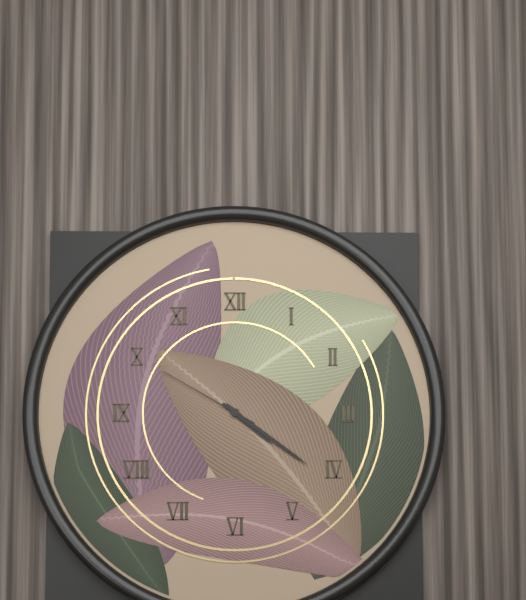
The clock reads 4.21.50
